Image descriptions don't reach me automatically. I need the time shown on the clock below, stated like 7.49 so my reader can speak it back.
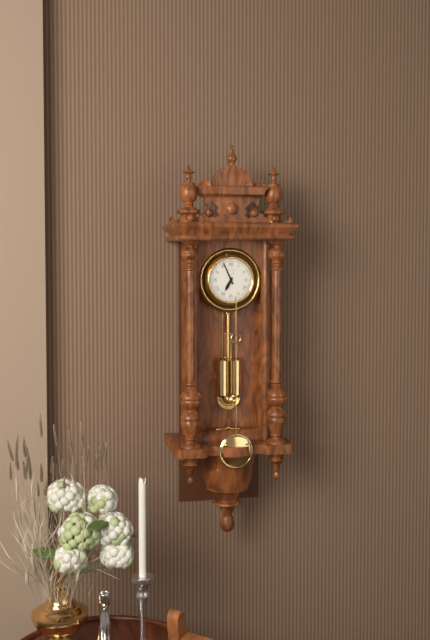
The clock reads 6.56
